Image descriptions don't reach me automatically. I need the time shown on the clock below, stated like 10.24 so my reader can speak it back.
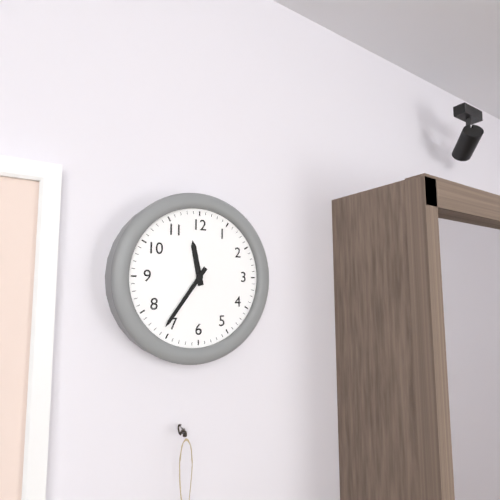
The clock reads 11.36
